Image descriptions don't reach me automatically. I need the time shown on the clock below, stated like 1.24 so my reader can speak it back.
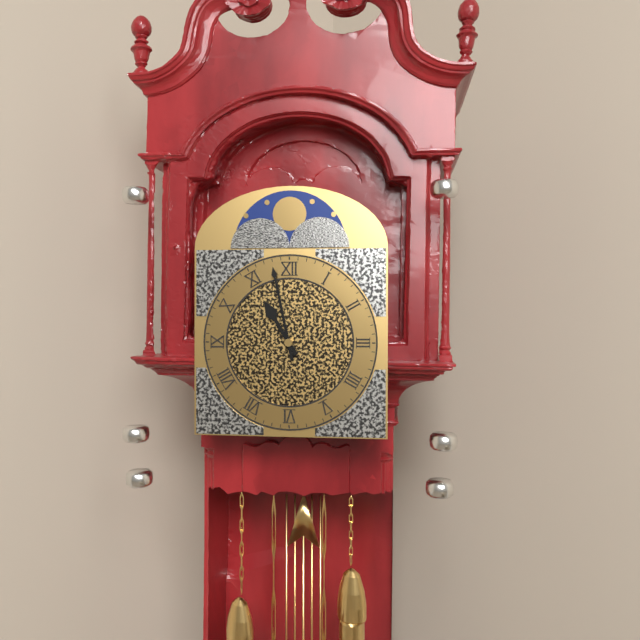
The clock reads 10.58
